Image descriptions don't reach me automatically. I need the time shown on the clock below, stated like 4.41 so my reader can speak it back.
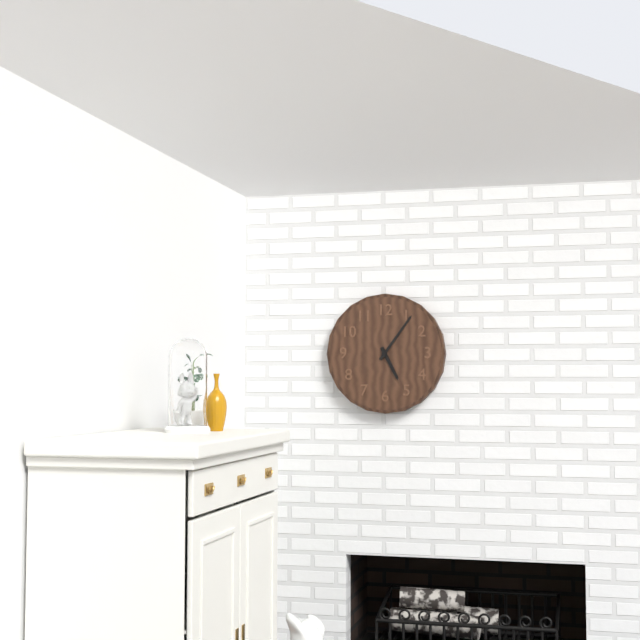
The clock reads 5.06
